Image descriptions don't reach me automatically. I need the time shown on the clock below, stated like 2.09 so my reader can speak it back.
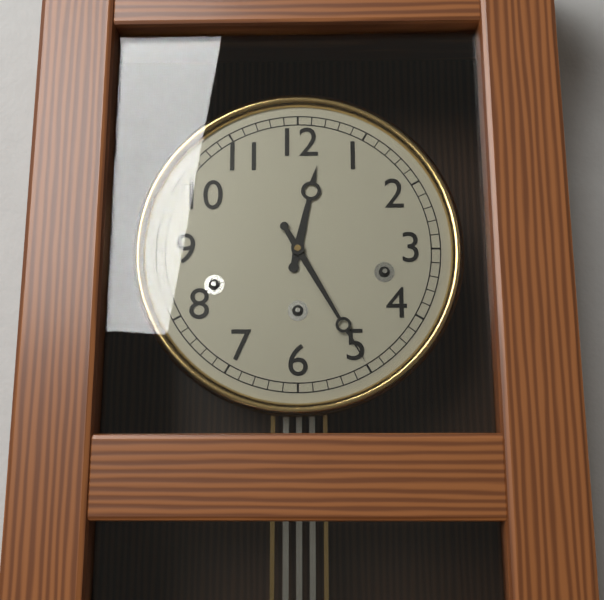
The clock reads 12.25
